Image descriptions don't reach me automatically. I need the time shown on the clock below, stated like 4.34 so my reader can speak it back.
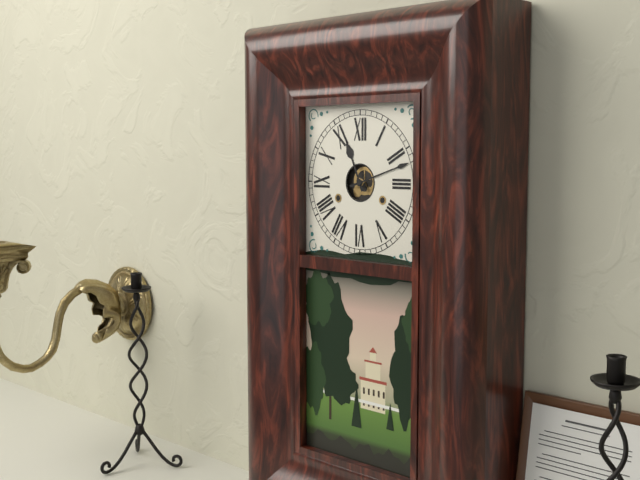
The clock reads 11.12
